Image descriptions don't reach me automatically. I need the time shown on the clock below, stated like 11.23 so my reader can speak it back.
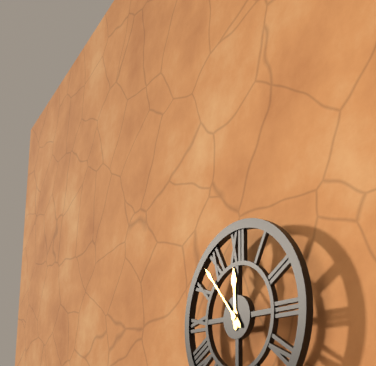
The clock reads 11.53
